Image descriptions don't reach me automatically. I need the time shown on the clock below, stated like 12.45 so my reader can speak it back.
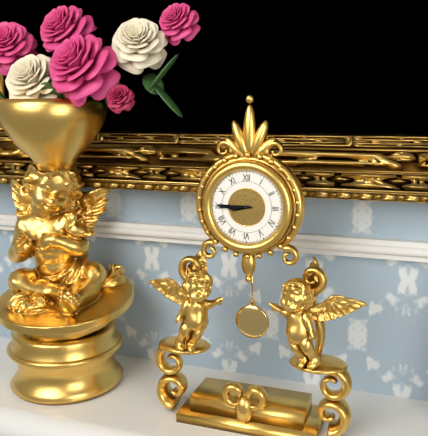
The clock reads 8.45
